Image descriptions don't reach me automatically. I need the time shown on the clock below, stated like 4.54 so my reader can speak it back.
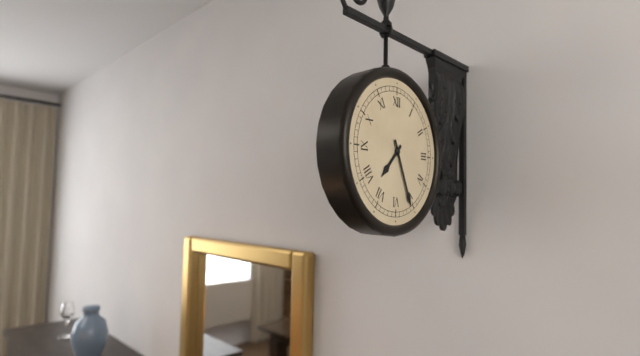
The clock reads 7.26
